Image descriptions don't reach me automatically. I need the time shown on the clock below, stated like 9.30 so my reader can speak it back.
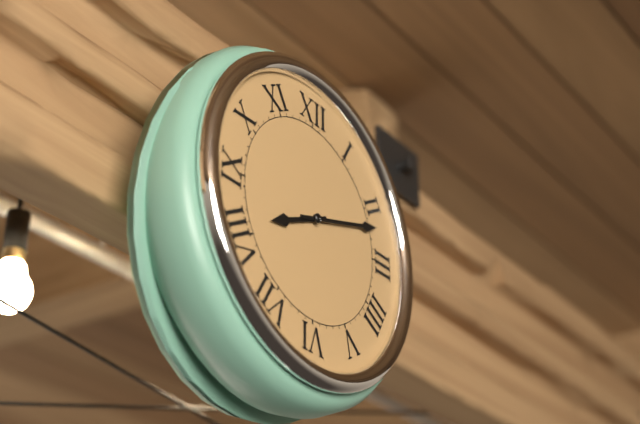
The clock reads 8.12
